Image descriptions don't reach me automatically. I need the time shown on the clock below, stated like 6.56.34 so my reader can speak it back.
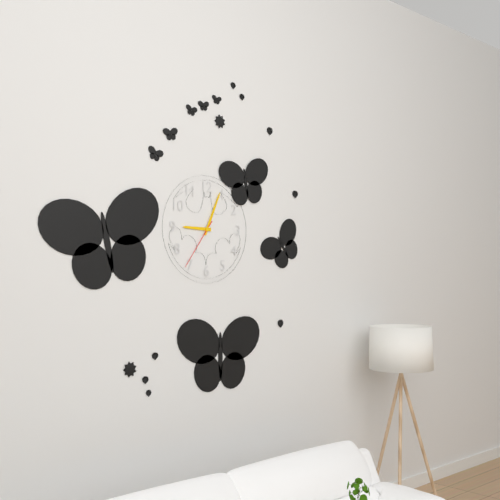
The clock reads 9.04.36
